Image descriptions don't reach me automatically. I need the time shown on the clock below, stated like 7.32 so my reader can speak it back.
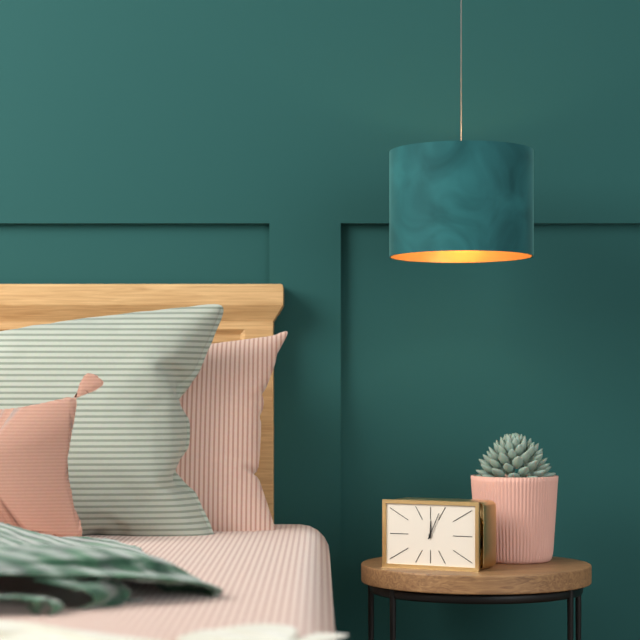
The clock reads 12.04
